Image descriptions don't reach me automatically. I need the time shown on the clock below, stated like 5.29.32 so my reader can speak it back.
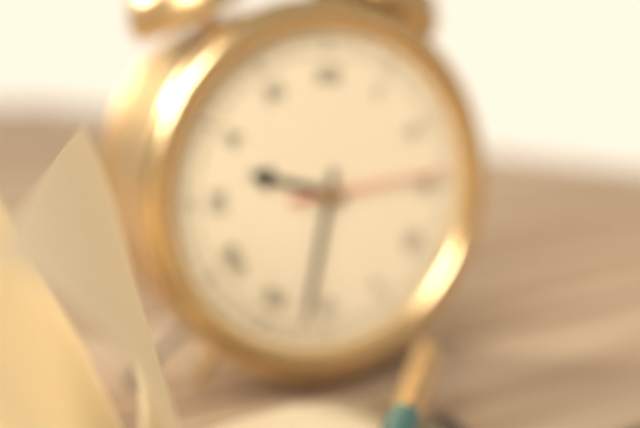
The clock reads 9.32.14
